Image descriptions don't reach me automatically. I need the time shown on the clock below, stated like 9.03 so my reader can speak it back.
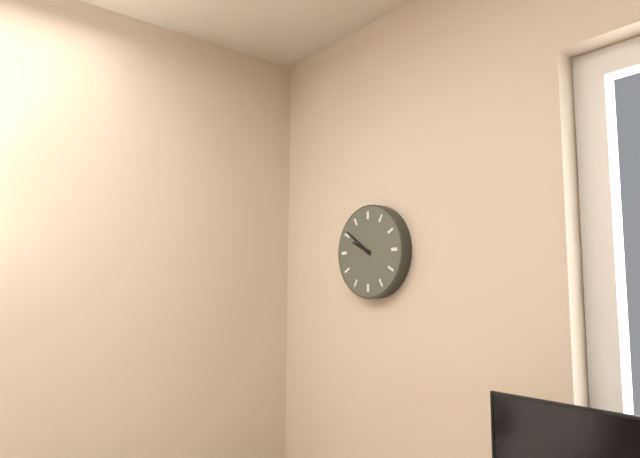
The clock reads 9.51
